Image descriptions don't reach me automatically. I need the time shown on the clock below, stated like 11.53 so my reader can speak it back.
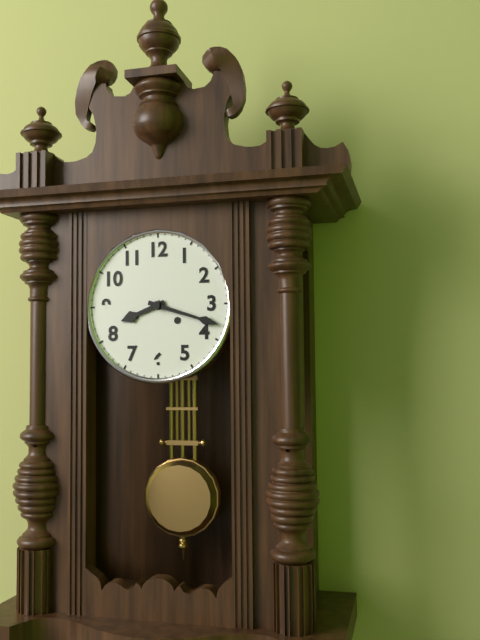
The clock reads 8.18
